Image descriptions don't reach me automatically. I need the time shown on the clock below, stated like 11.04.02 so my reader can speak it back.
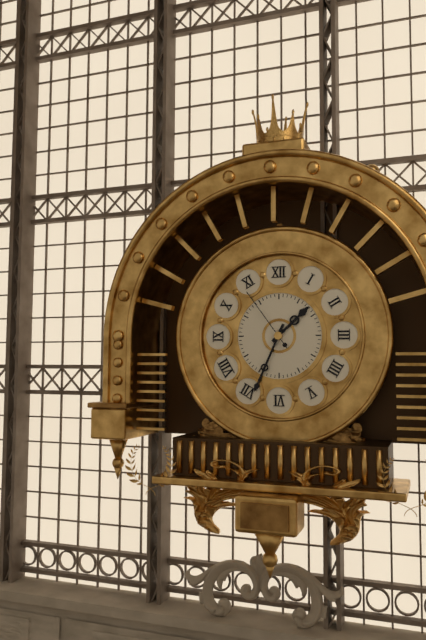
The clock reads 1.34.54
